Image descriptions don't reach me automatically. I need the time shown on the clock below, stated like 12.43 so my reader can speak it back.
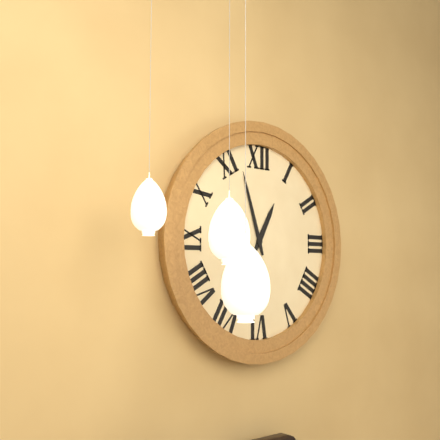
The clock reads 12.57
